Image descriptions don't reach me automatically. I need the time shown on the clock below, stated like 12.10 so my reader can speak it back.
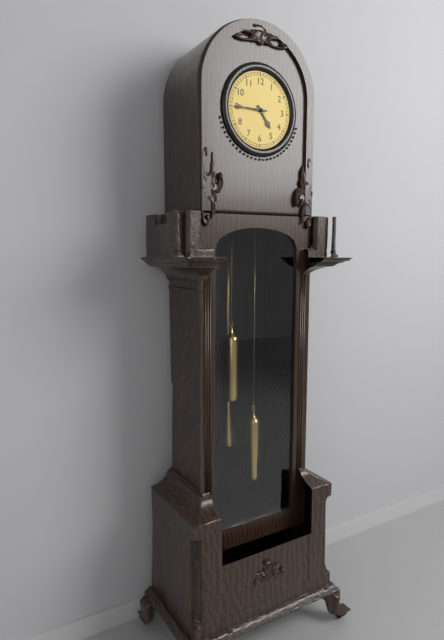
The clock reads 4.45
